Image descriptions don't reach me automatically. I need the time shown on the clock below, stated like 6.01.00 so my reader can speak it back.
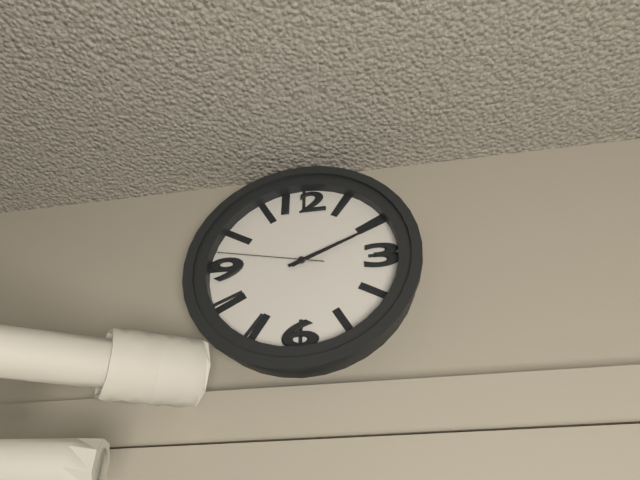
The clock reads 2.11.47
